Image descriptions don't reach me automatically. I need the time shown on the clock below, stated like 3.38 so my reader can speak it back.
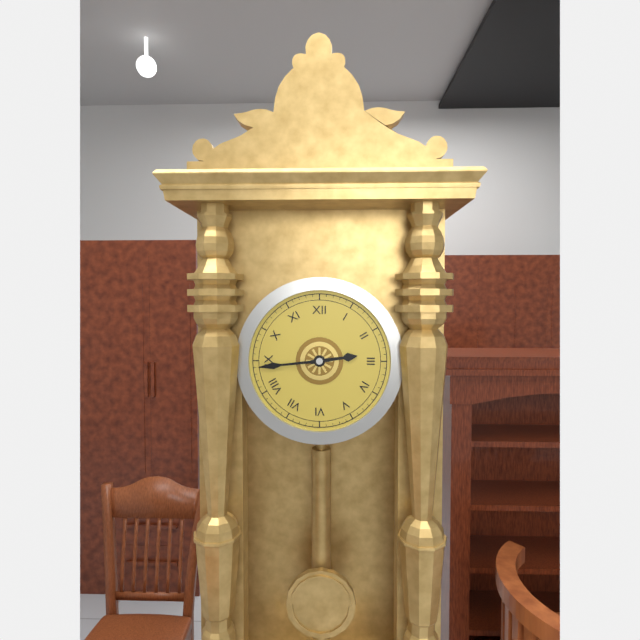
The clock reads 2.44
